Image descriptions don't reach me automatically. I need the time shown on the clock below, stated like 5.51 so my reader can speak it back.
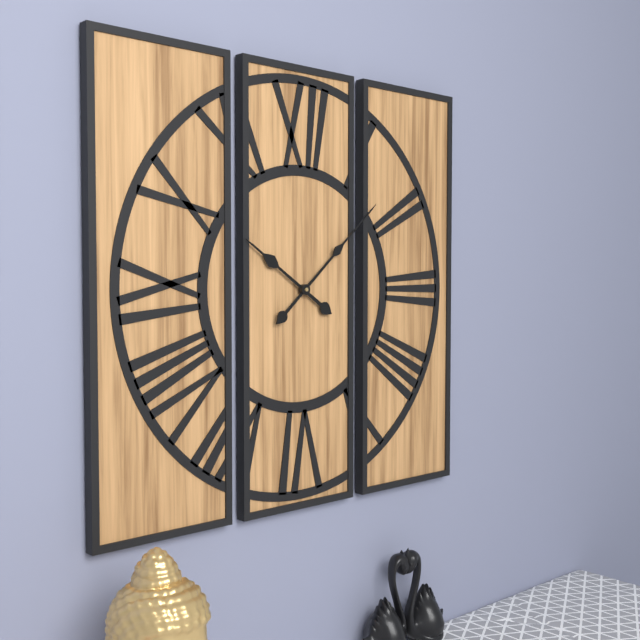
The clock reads 10.08
